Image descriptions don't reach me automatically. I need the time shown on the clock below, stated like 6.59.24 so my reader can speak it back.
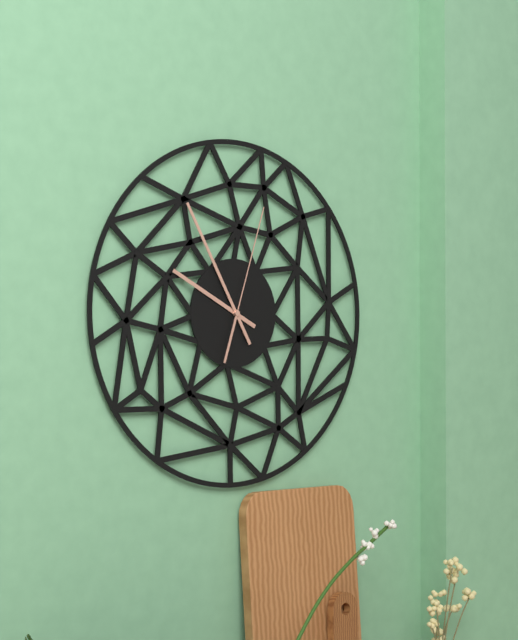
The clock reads 9.55.03
